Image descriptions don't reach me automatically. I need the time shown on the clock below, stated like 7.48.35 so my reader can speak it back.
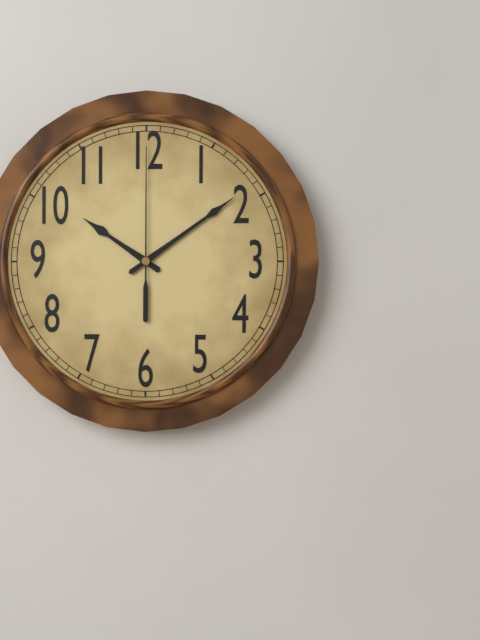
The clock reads 10.09.00
